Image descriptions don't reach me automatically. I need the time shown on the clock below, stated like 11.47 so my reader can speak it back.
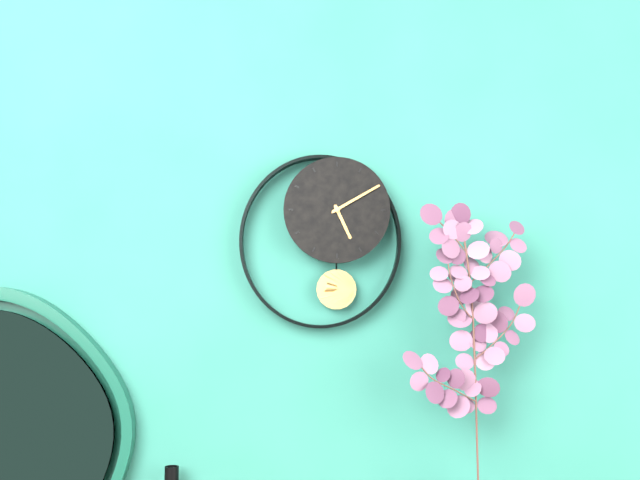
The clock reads 5.10
